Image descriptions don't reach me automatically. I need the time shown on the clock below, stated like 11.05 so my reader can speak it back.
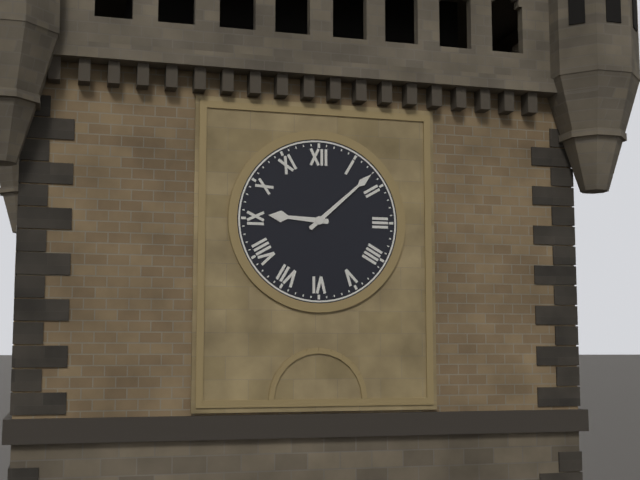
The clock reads 9.08
